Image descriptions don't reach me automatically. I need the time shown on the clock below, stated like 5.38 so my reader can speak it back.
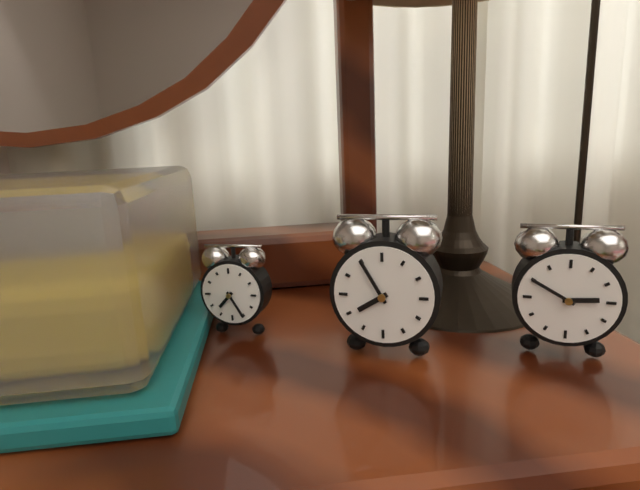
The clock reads 7.55
